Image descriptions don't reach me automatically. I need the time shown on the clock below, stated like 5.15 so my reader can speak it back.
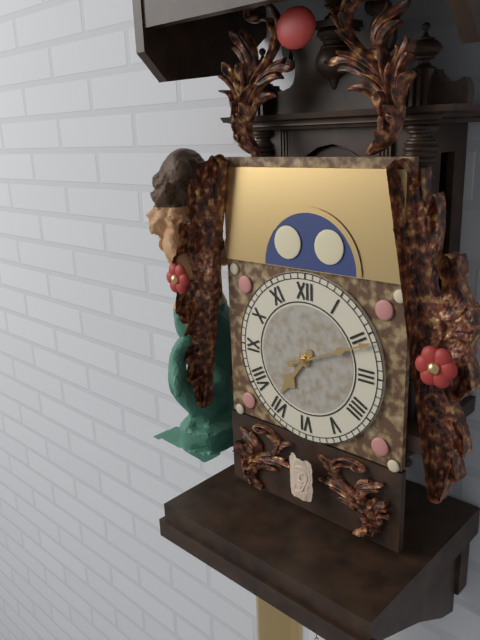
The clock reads 7.11
